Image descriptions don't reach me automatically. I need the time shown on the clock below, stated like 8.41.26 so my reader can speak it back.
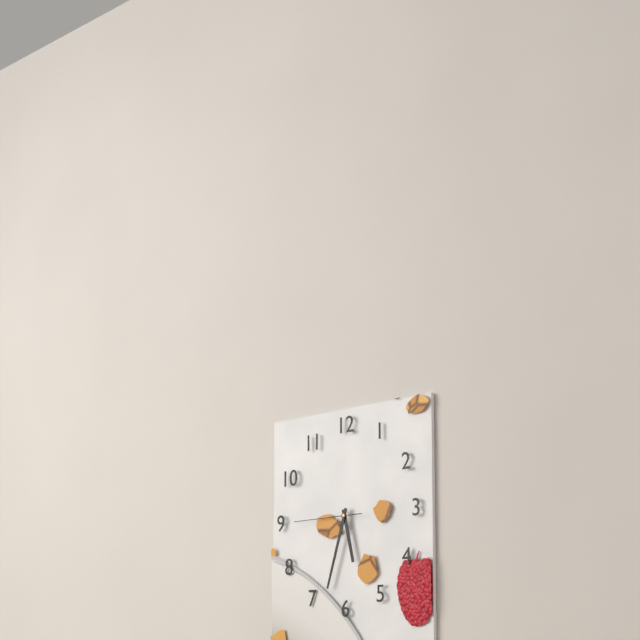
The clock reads 5.33.45
